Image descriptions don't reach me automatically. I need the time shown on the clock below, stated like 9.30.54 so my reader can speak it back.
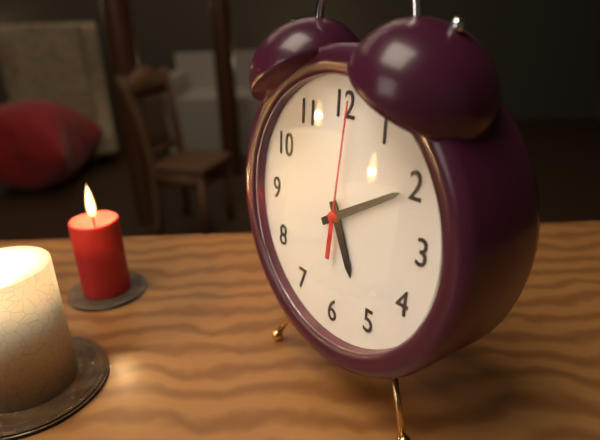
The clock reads 5.10.01
